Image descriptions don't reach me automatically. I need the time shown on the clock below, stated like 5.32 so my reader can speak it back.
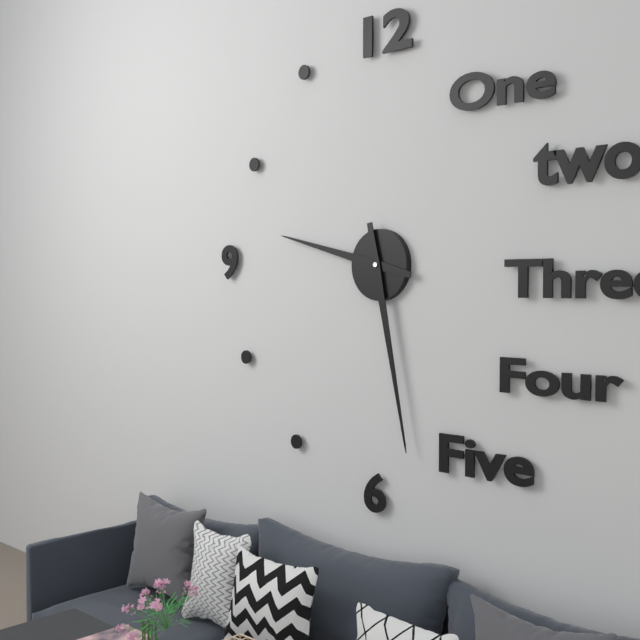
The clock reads 9.28
